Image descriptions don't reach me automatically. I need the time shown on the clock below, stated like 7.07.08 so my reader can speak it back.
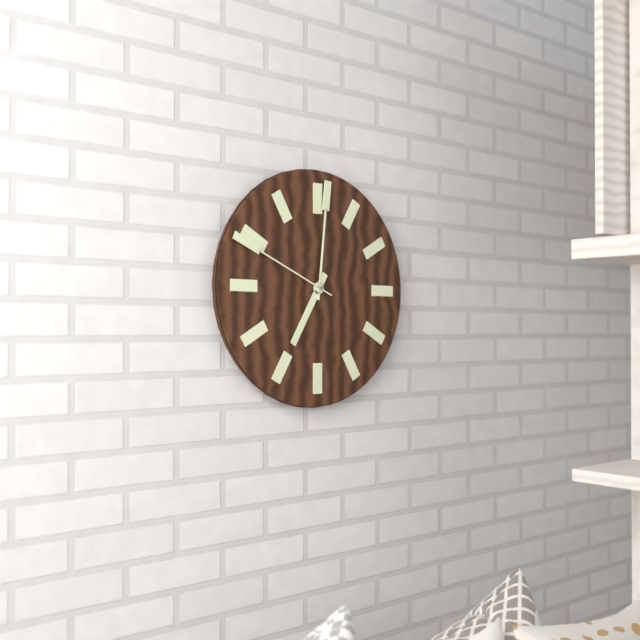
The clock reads 7.01.49
